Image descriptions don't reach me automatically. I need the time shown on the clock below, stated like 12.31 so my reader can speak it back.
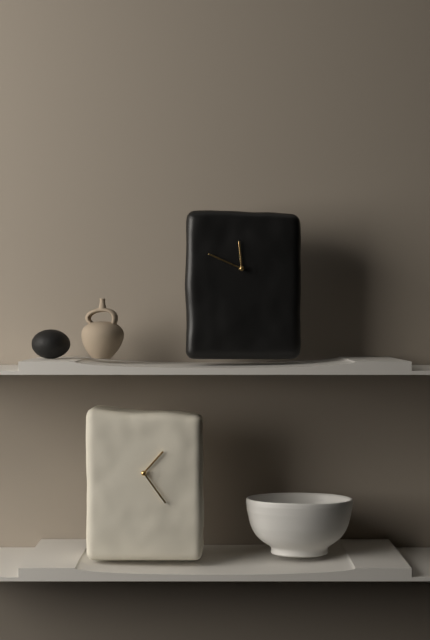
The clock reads 11.49
